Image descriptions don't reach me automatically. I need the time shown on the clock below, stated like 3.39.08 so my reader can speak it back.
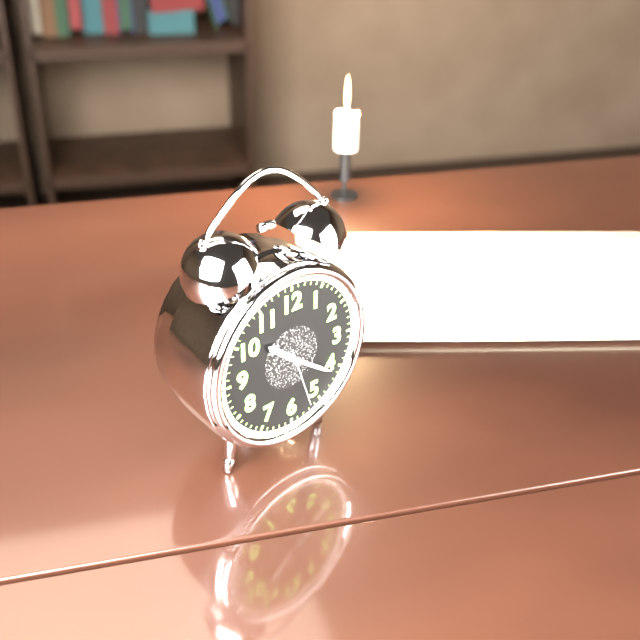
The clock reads 10.21.27
